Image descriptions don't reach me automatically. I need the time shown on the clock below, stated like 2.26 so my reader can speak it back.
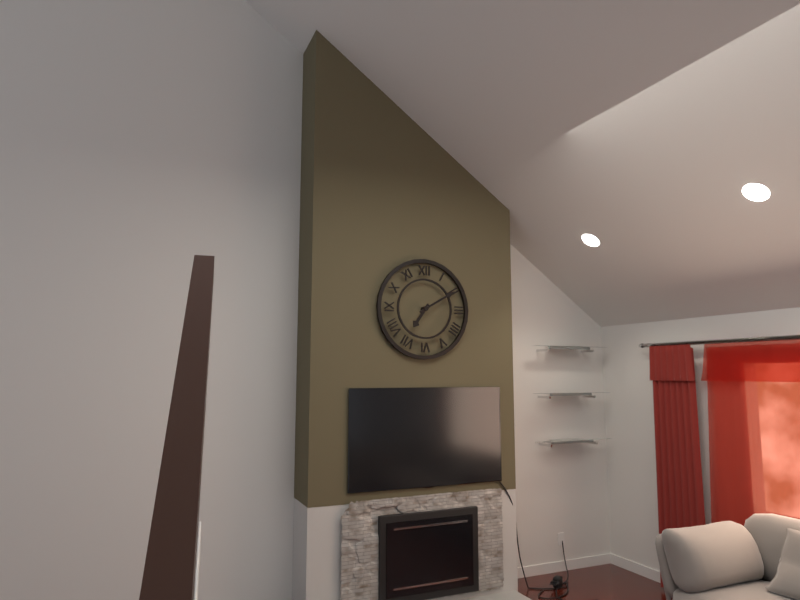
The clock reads 7.10
